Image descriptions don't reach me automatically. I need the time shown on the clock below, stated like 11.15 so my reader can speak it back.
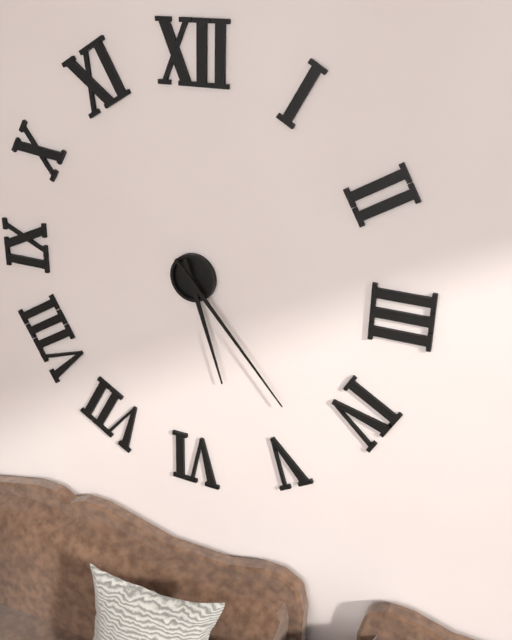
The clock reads 5.23
